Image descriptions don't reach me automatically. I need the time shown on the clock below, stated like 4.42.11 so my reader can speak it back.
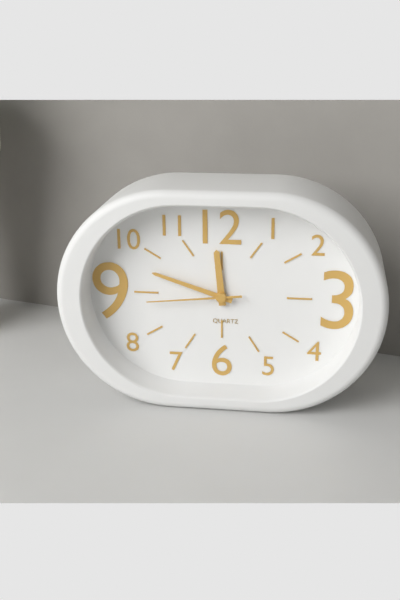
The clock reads 11.48.44
